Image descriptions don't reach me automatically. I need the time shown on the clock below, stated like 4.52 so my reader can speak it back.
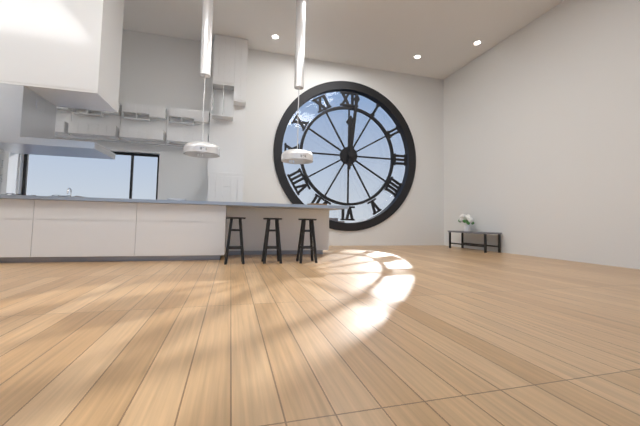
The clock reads 12.01
